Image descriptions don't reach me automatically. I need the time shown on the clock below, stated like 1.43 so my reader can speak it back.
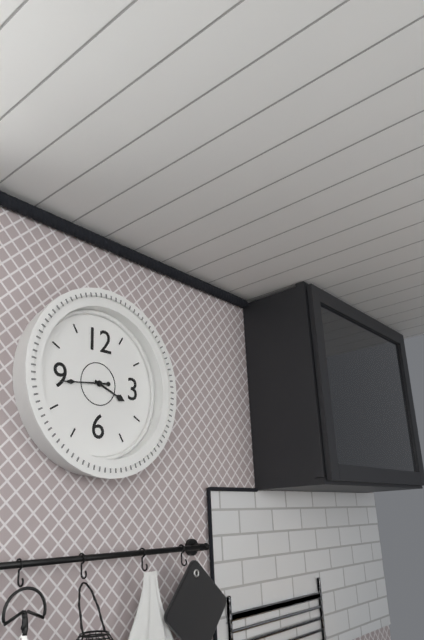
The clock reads 3.44
